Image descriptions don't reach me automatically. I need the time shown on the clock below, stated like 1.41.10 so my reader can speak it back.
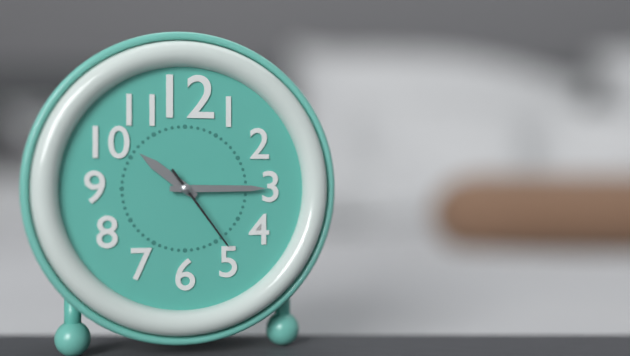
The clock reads 10.15.24
